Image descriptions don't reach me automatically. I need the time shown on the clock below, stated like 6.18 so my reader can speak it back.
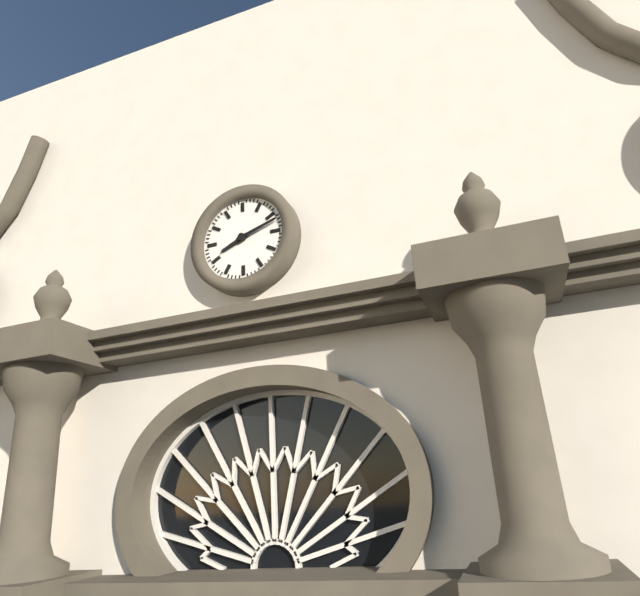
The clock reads 8.12
